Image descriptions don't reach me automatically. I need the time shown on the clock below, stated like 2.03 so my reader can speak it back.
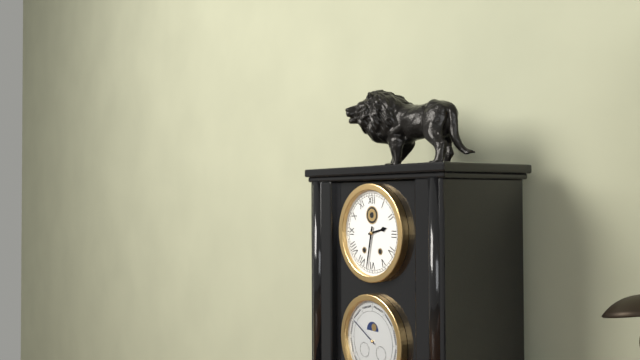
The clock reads 2.32
